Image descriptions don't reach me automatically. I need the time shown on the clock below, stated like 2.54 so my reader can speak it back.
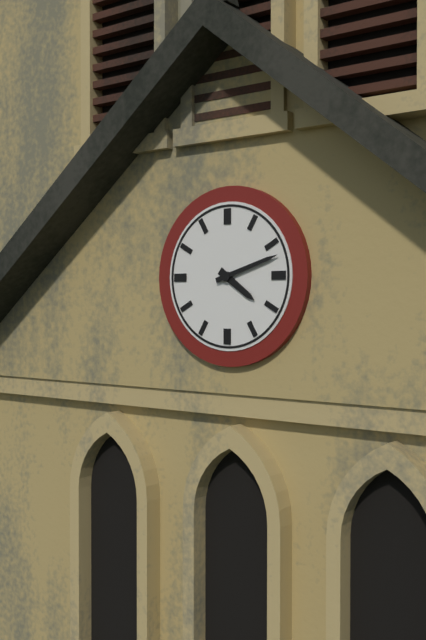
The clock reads 4.12
